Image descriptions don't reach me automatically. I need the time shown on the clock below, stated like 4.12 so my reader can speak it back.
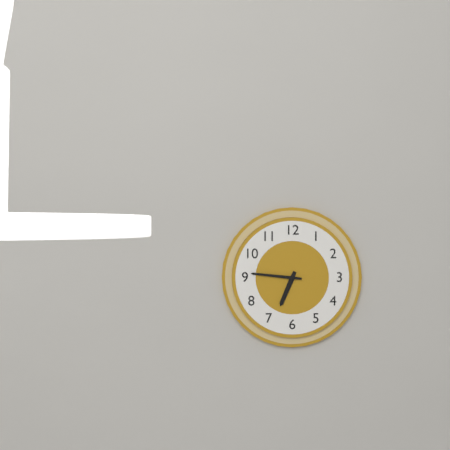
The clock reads 6.46
